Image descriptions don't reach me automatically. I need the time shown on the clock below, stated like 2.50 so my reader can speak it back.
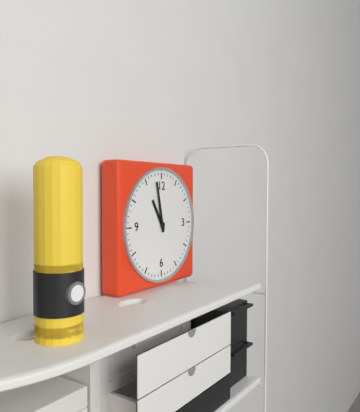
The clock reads 10.58
